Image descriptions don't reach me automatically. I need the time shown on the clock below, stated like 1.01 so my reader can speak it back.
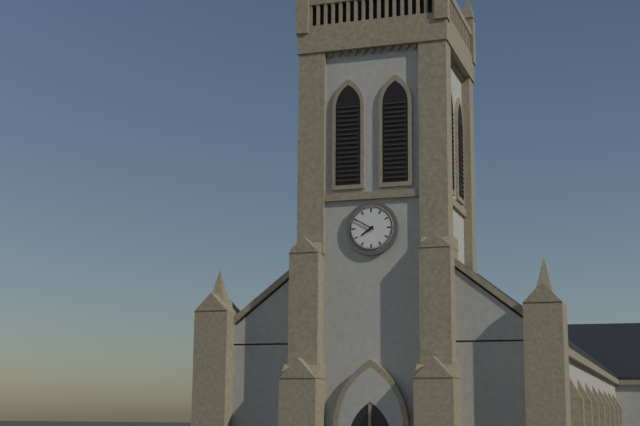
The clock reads 7.50
